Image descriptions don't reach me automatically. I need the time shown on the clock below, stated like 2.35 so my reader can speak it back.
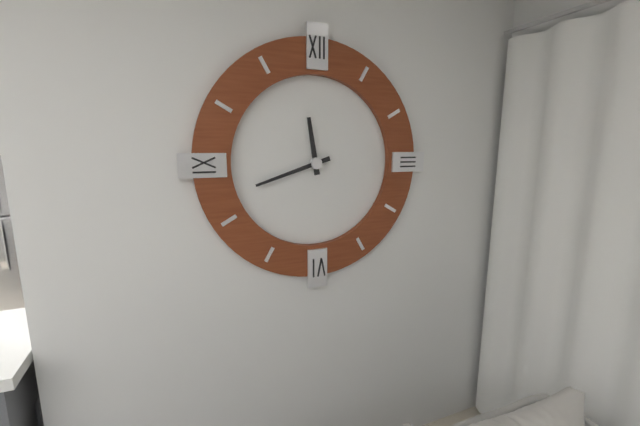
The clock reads 11.42
